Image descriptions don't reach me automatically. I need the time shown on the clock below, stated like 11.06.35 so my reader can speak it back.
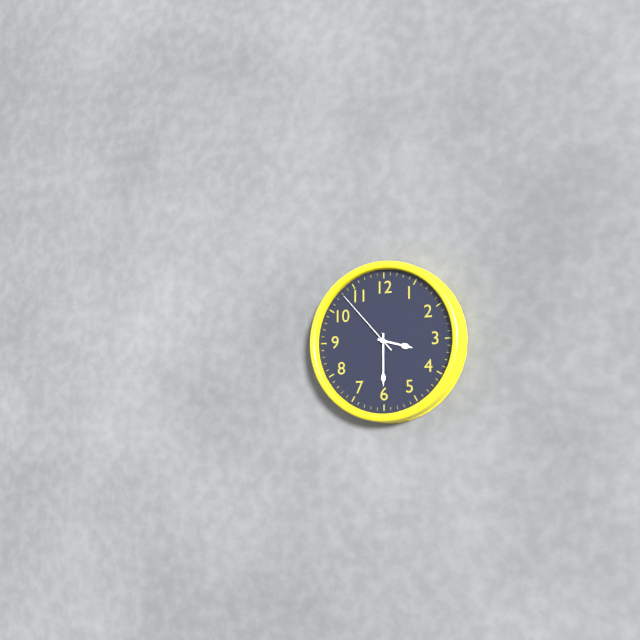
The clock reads 3.30.53
